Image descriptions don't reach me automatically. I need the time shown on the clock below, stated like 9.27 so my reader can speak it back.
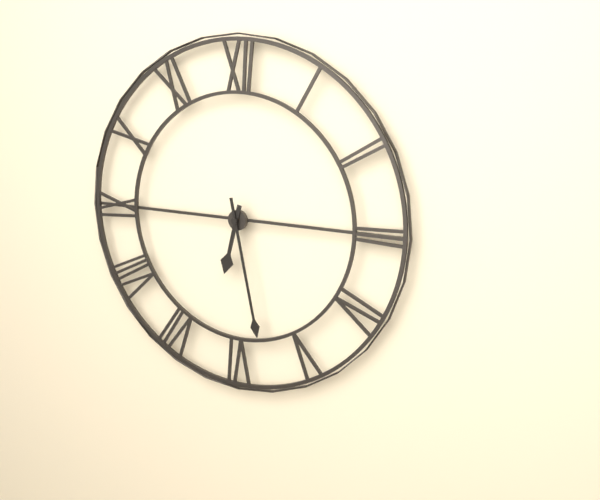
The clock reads 6.28
